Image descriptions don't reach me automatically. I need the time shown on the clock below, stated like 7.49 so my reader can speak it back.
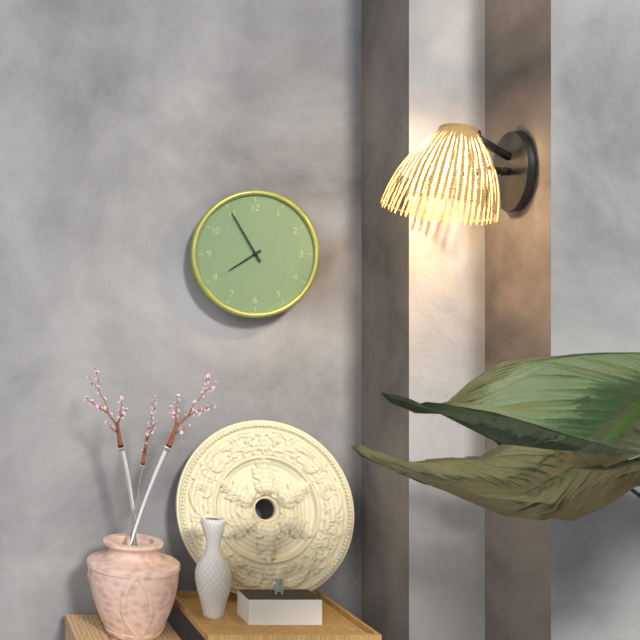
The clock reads 7.55
